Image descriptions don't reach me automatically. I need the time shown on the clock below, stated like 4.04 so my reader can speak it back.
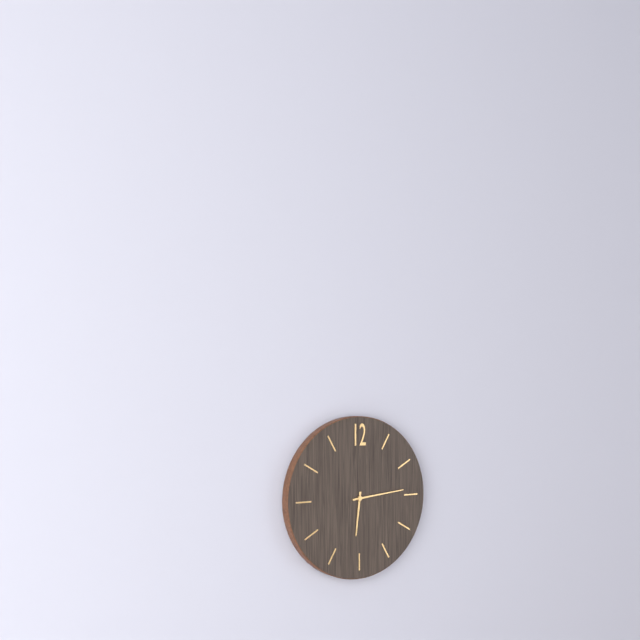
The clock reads 6.14
